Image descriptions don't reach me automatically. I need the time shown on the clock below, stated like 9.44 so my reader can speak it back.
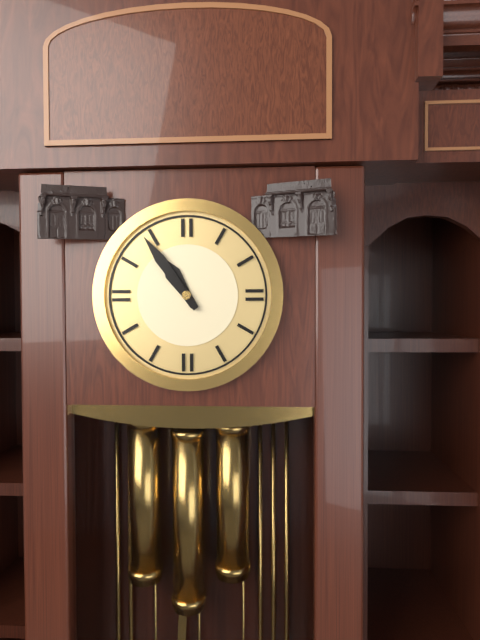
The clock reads 10.54
